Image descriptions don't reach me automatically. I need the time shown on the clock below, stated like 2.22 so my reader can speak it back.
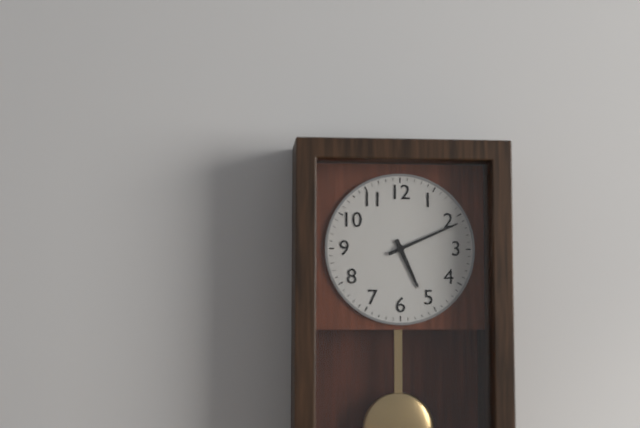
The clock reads 5.11
